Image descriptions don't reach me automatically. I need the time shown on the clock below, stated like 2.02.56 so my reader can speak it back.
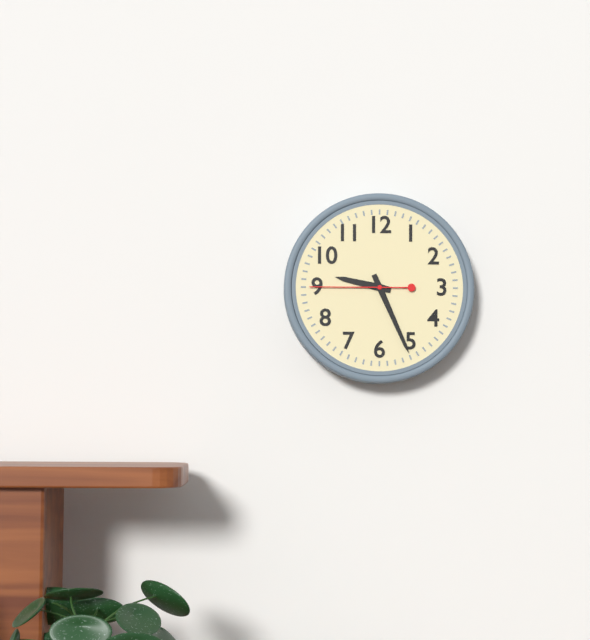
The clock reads 9.26.45
